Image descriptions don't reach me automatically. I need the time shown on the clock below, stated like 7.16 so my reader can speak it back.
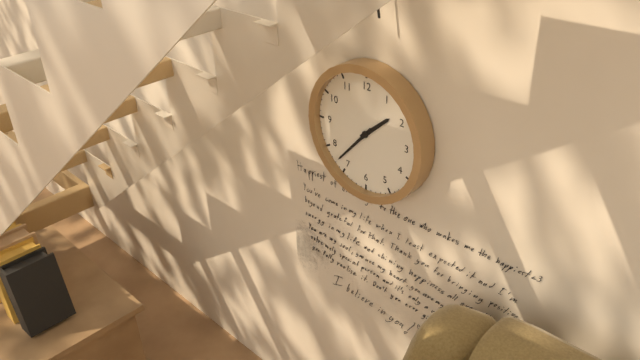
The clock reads 1.37
